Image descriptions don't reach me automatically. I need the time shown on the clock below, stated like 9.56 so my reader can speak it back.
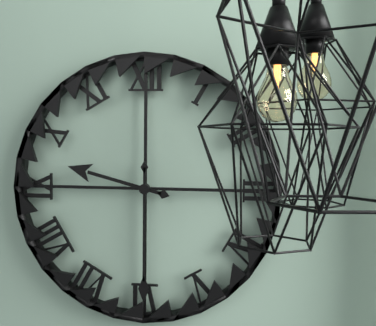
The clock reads 9.30
